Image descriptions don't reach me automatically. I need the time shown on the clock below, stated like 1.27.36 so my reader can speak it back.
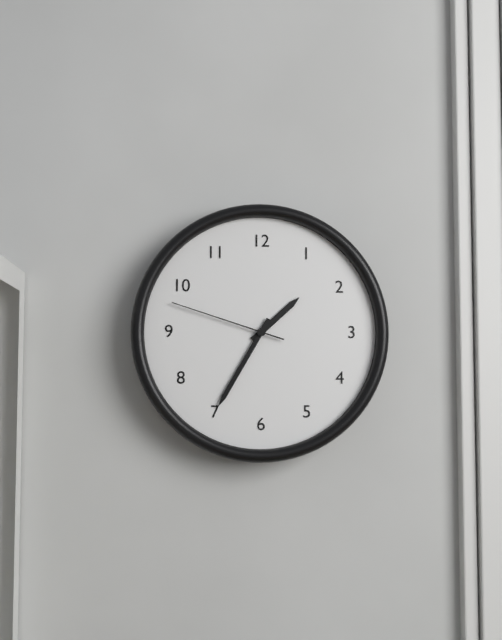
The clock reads 1.35.48
